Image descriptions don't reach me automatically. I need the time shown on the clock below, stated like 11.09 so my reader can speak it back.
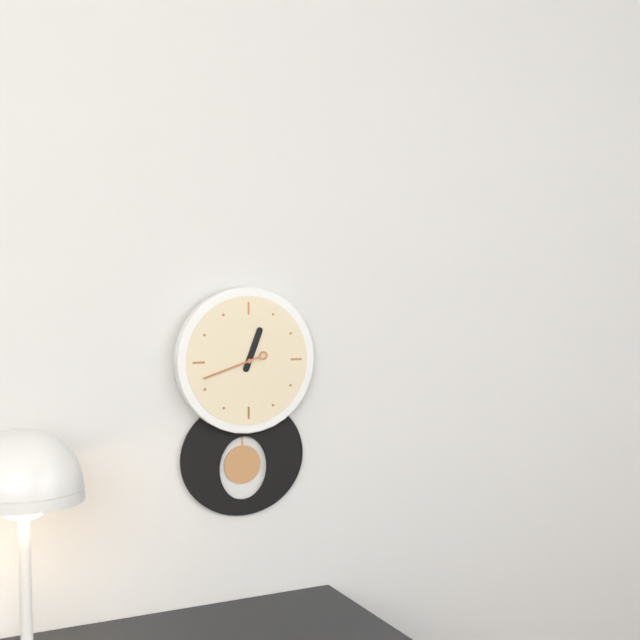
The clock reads 12.42
